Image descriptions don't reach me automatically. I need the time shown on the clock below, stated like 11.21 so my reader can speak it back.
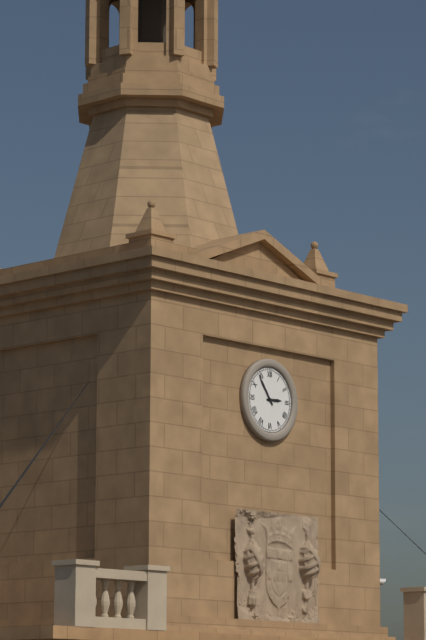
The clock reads 2.54
